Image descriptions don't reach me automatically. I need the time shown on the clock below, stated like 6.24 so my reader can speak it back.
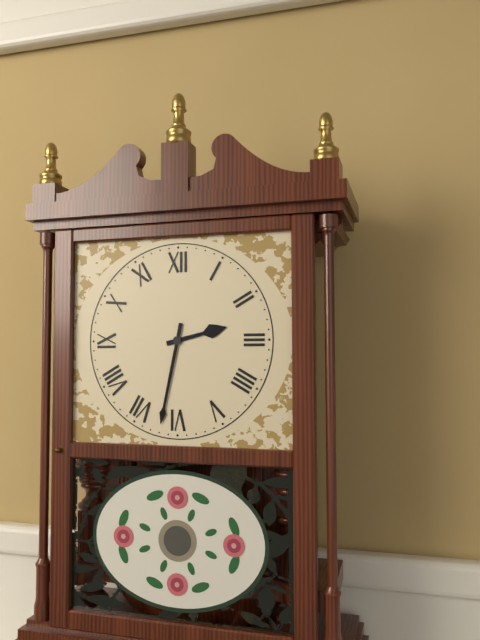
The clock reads 2.32
